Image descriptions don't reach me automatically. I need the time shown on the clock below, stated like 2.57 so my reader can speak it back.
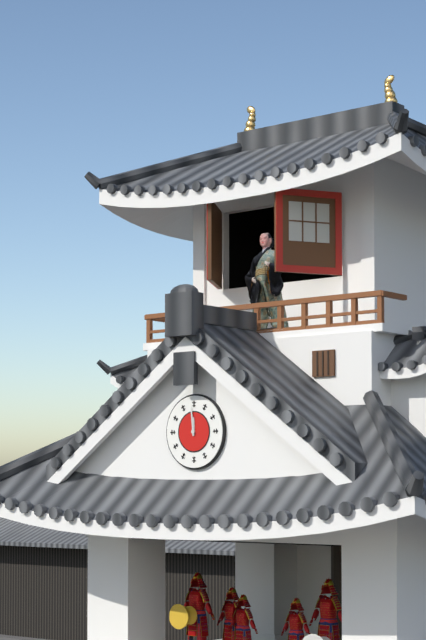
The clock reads 11.59
